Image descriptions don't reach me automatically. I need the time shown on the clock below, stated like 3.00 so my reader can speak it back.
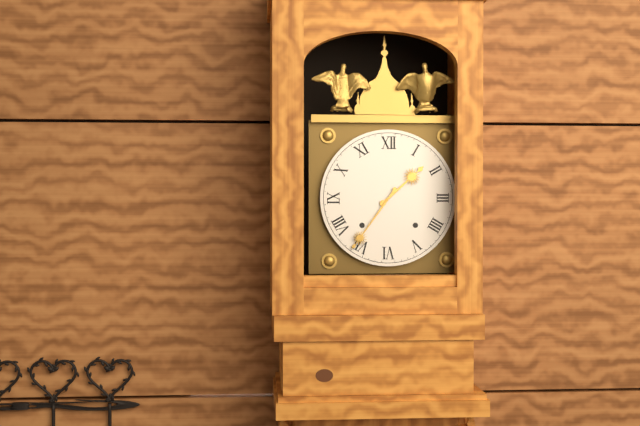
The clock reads 1.36
